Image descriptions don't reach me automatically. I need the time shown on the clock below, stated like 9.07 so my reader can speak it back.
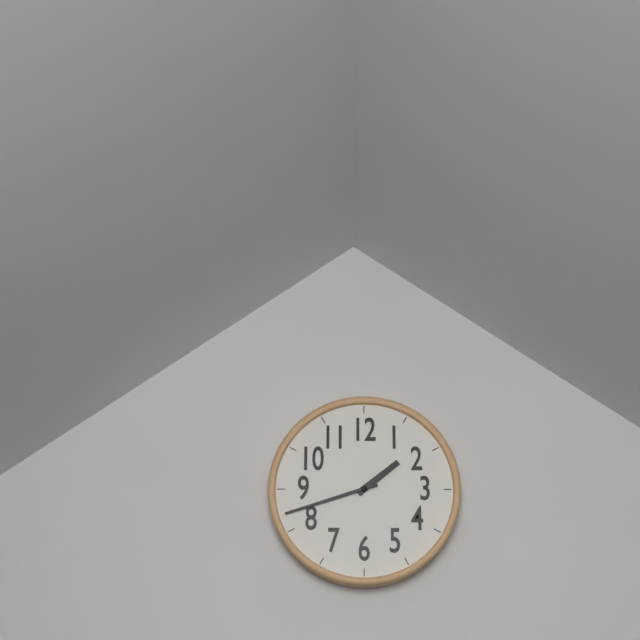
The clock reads 1.42
